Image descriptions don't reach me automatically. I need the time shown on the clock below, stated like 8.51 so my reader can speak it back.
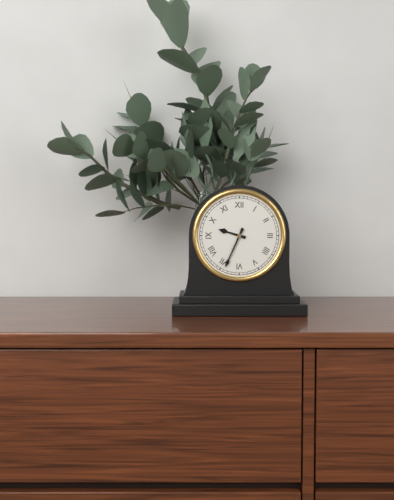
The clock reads 9.34
